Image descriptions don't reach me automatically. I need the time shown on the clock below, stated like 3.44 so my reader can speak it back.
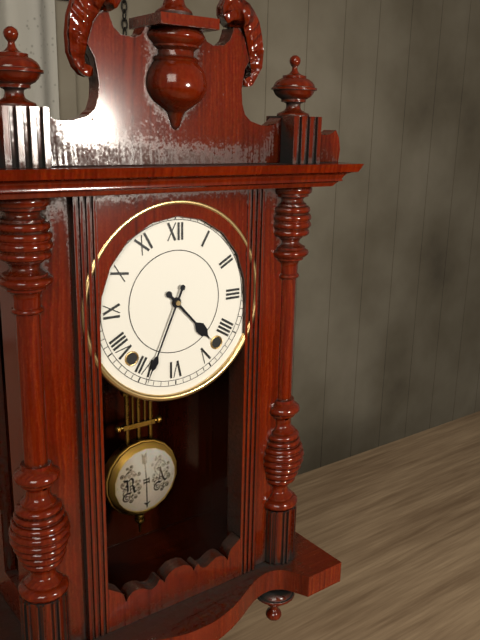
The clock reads 4.34
